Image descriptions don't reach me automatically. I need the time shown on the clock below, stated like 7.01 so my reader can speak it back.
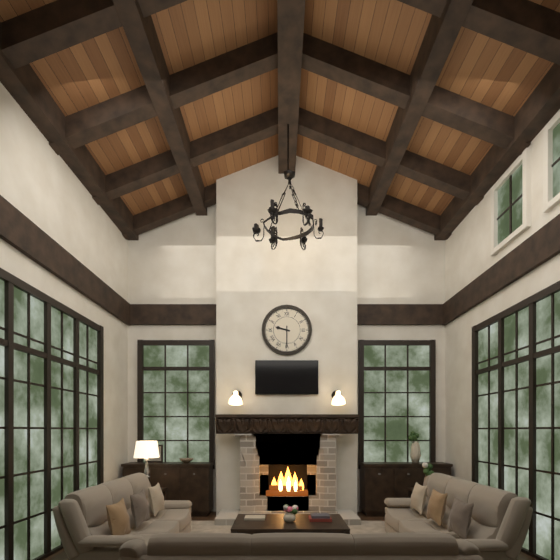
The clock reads 9.30
